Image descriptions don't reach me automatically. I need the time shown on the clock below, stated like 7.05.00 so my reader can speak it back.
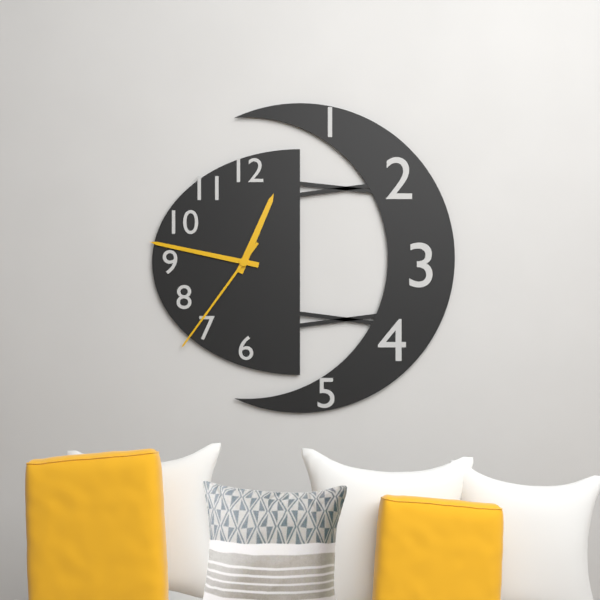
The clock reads 12.47.36
